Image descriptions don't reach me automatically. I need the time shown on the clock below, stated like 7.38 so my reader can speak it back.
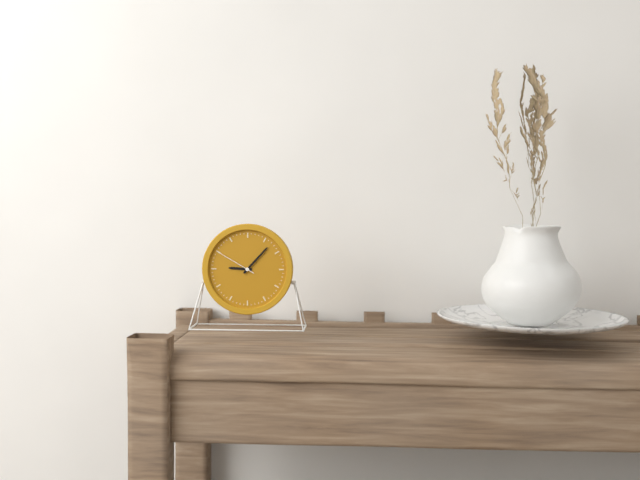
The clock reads 9.07
